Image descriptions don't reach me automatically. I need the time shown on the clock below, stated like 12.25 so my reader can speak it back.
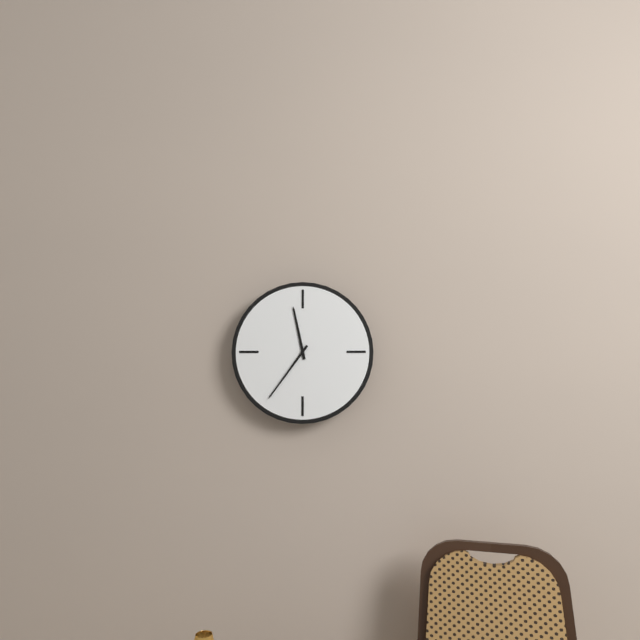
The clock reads 11.36
